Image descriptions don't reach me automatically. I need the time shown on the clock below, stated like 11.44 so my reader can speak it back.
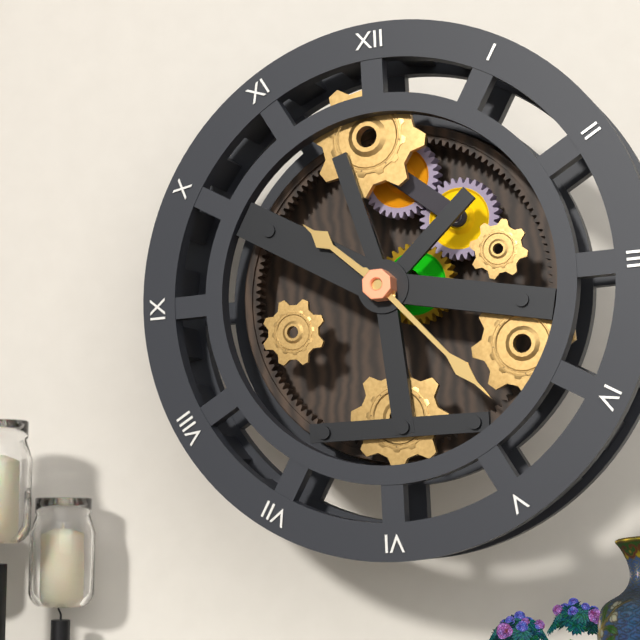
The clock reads 10.23
